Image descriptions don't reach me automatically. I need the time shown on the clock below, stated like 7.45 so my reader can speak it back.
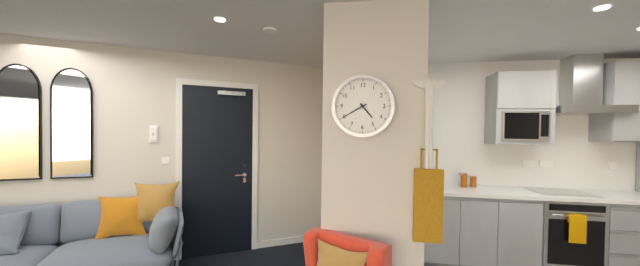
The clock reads 4.40
